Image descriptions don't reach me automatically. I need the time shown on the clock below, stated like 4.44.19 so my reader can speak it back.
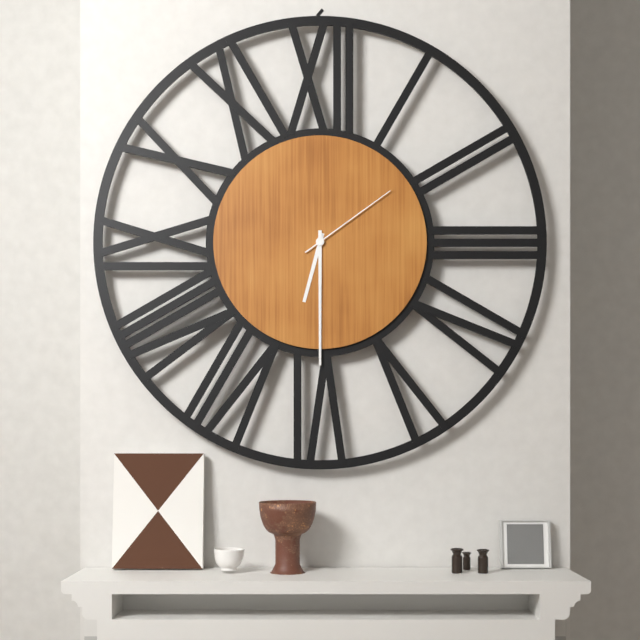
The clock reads 6.30.09
